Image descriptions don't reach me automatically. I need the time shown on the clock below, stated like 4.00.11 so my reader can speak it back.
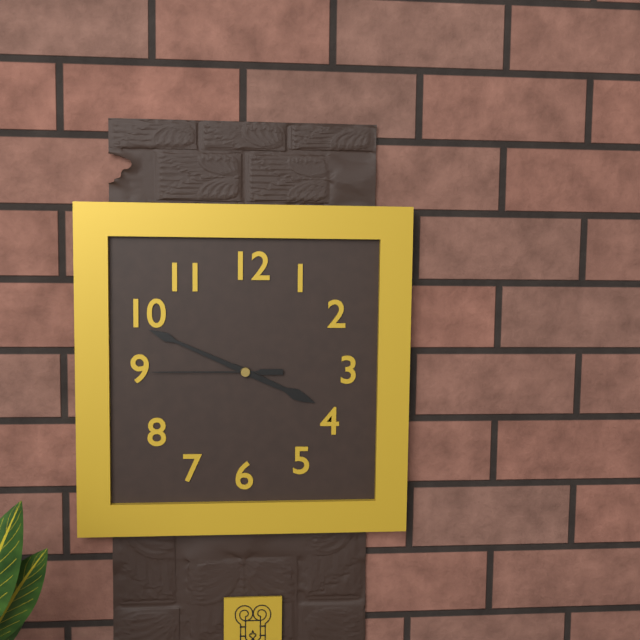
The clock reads 3.49.45
